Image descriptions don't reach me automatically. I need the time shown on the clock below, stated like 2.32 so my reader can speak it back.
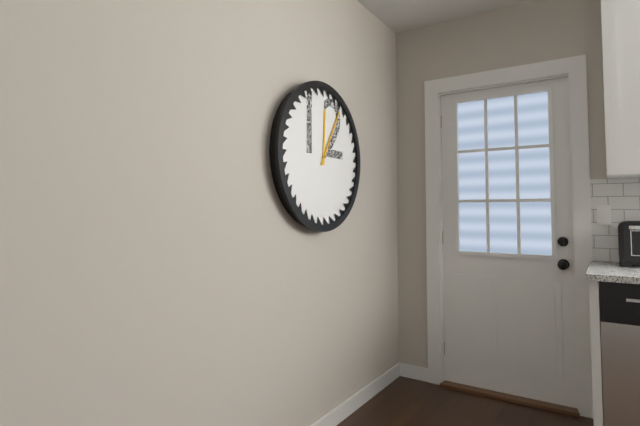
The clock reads 12.05
